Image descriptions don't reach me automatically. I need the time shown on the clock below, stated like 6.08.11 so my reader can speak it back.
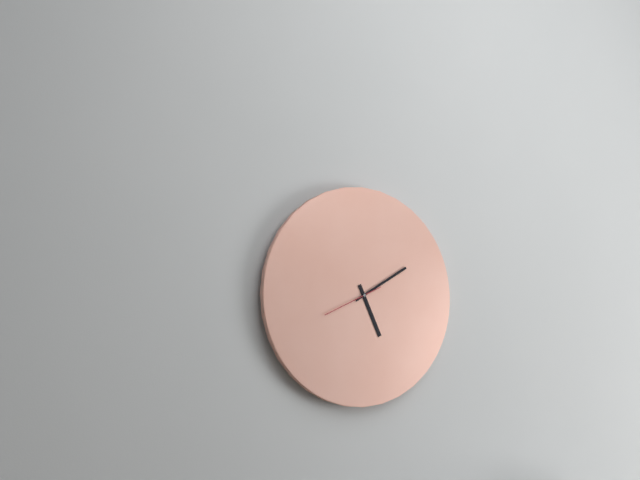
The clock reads 5.10.41
